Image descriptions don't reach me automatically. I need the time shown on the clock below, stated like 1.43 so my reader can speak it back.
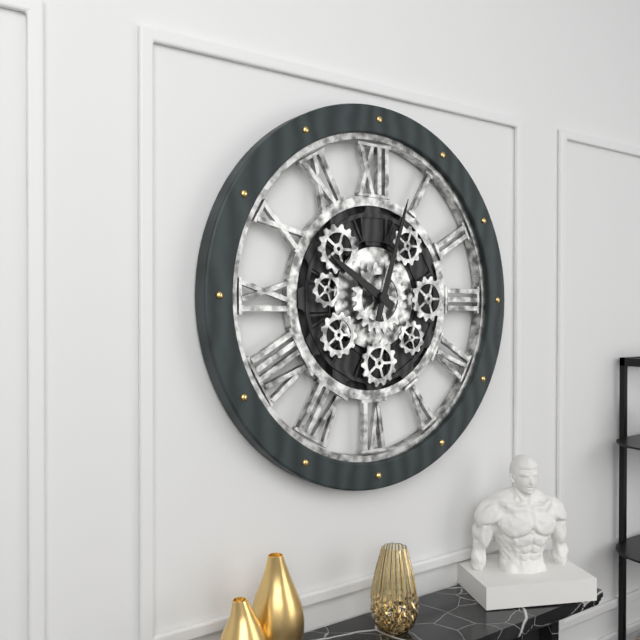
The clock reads 10.03
